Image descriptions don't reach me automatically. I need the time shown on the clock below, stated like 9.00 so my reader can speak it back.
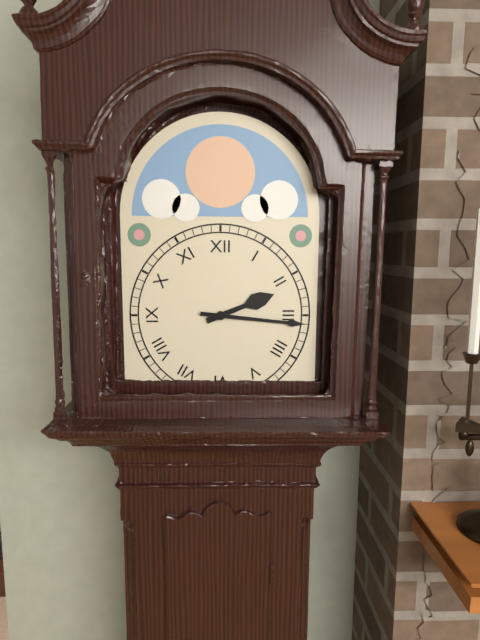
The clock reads 2.16
